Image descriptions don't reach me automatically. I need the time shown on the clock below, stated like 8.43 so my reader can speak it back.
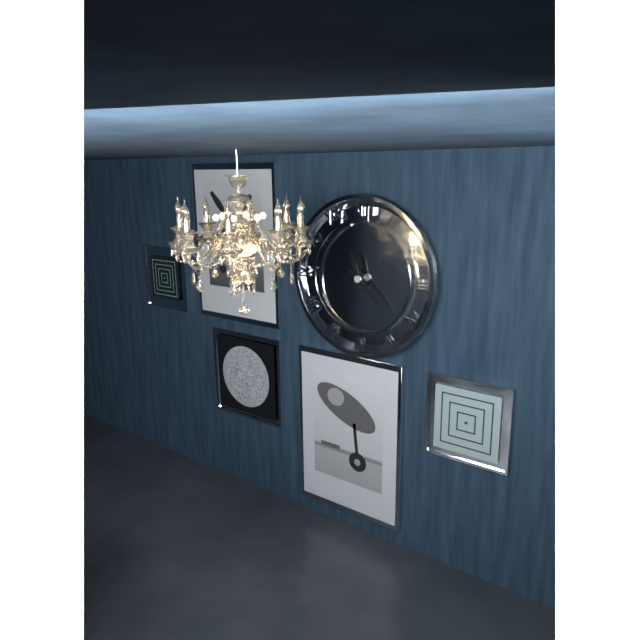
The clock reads 11.22
